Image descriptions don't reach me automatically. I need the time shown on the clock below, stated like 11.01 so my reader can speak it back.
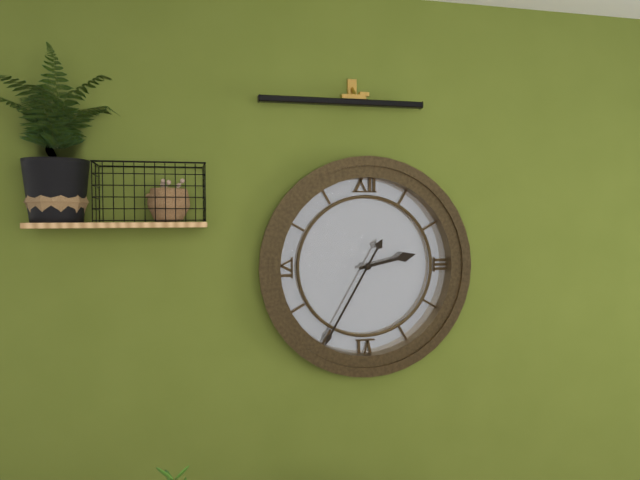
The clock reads 2.35
